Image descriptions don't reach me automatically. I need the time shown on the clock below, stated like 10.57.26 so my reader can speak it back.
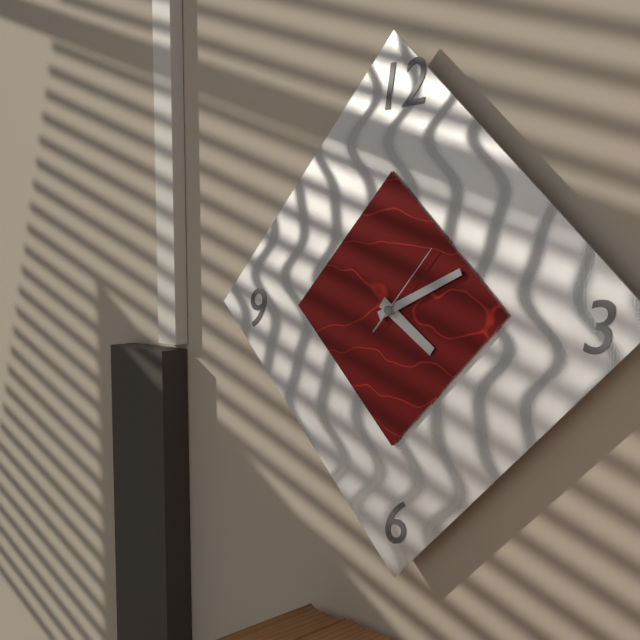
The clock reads 4.11.07
